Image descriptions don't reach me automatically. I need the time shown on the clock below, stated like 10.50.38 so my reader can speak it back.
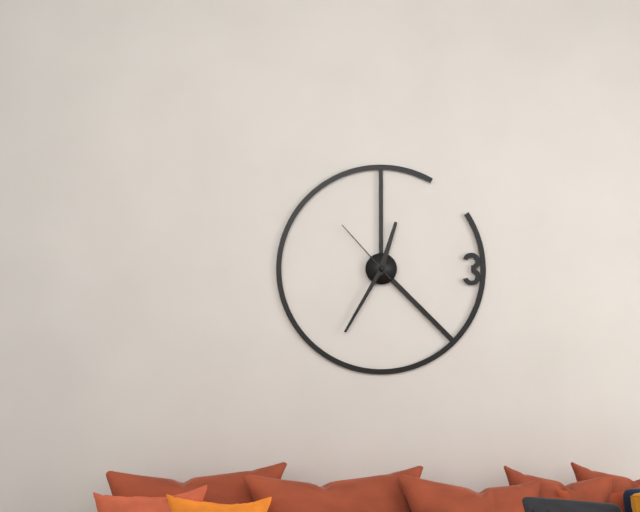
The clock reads 12.35.53
